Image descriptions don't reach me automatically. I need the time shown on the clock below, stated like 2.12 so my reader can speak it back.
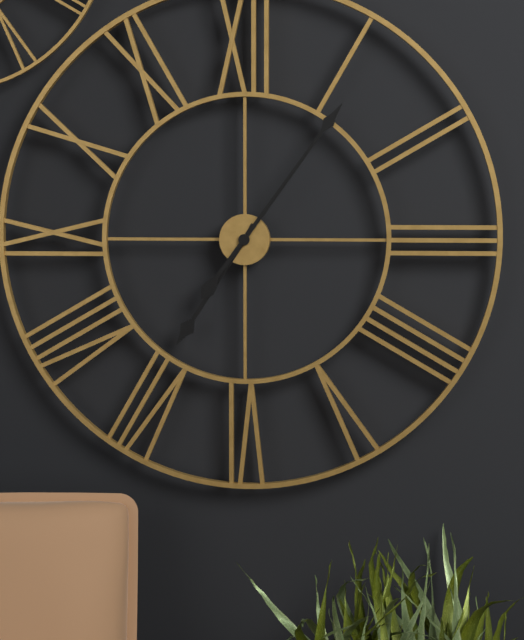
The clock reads 7.06
